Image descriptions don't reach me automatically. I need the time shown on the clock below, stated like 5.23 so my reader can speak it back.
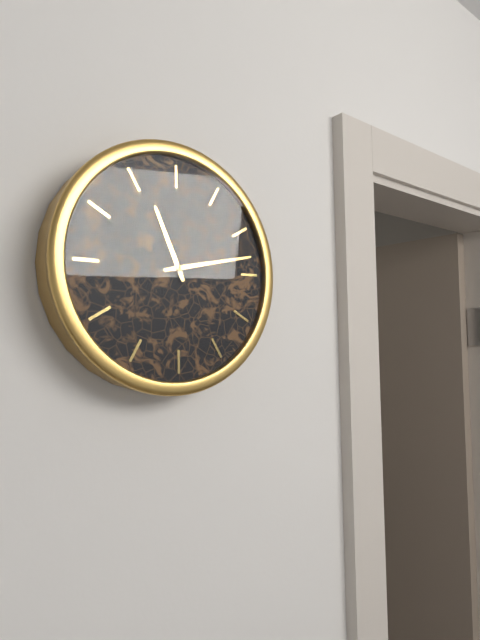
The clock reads 11.13
